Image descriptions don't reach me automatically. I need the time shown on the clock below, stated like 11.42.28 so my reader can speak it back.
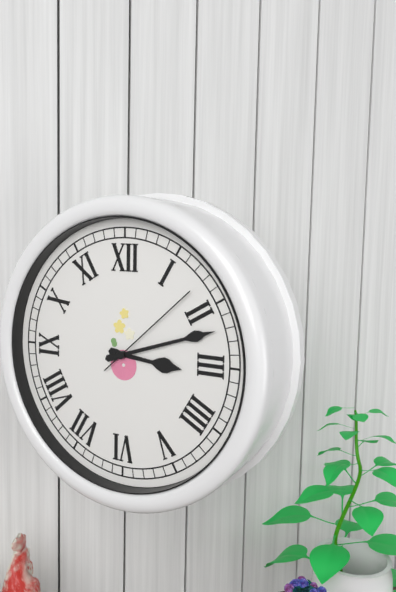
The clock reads 3.12.08
